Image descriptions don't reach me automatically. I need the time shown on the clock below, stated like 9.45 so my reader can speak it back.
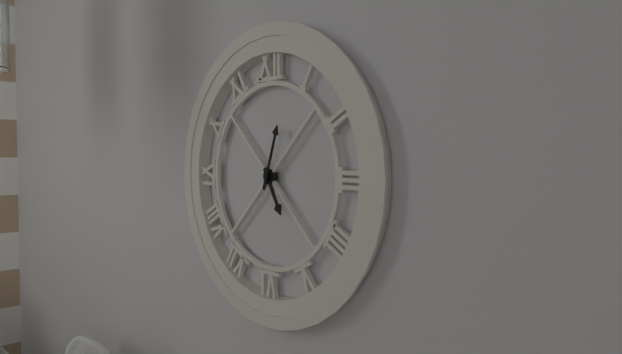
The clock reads 5.03
